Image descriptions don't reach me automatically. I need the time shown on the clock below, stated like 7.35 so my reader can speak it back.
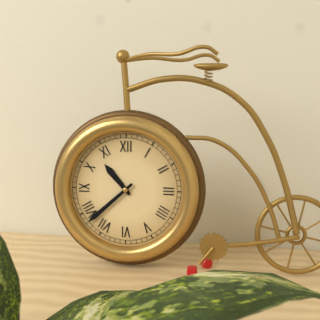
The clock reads 10.38
